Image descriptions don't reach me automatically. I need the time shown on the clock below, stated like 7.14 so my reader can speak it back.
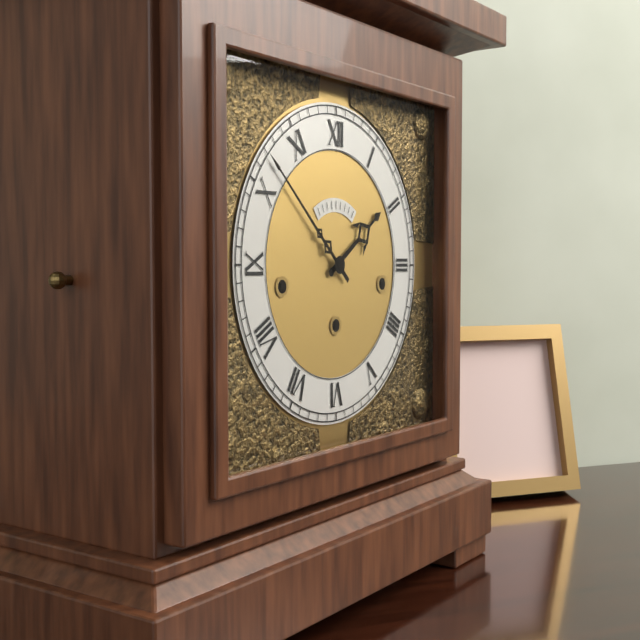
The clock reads 1.52
